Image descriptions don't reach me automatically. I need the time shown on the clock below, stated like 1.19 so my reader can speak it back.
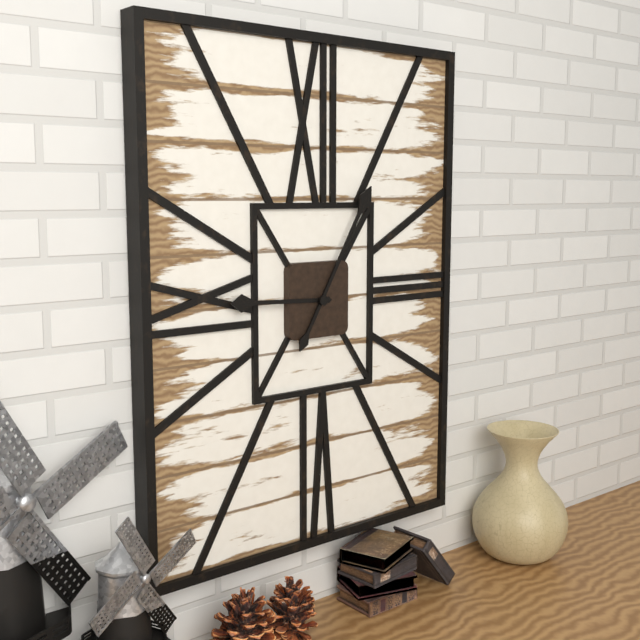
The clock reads 9.05
